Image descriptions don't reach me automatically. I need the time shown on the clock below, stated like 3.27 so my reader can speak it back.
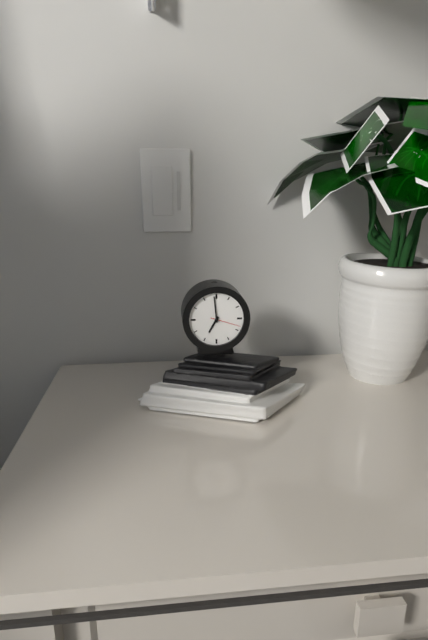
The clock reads 6.59
